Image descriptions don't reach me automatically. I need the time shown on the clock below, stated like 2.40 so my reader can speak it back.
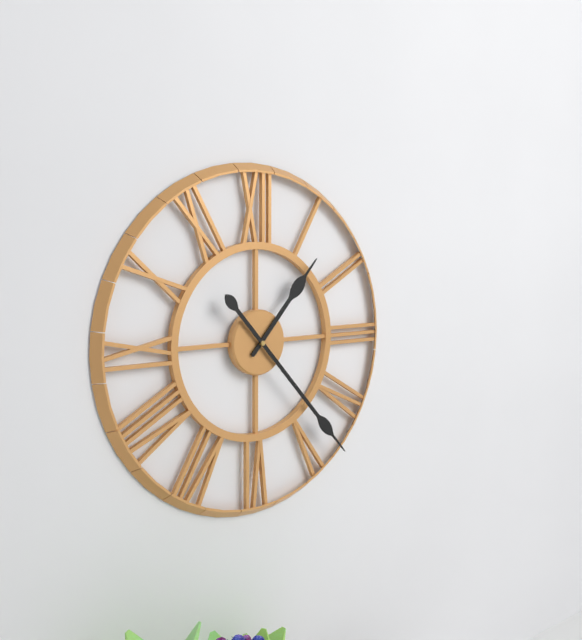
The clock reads 1.23
